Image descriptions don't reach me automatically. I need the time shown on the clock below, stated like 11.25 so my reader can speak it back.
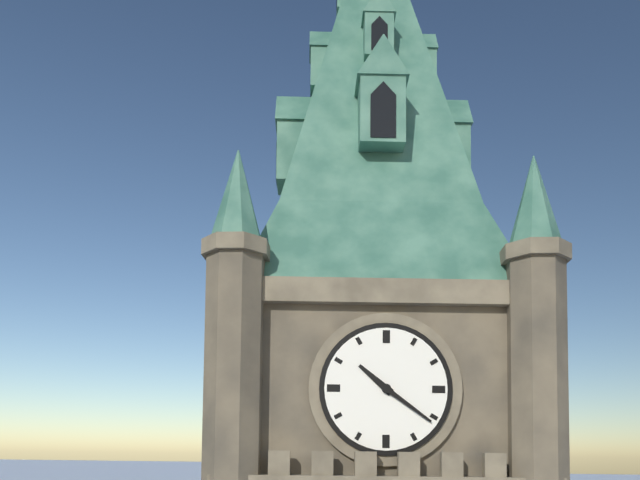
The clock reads 10.21
